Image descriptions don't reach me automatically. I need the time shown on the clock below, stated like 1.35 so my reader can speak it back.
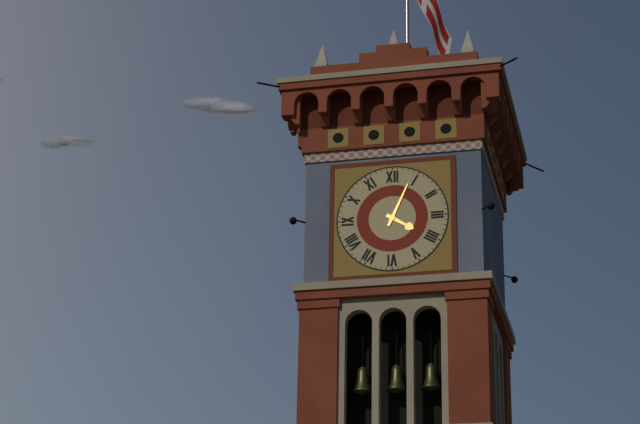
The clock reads 4.04
